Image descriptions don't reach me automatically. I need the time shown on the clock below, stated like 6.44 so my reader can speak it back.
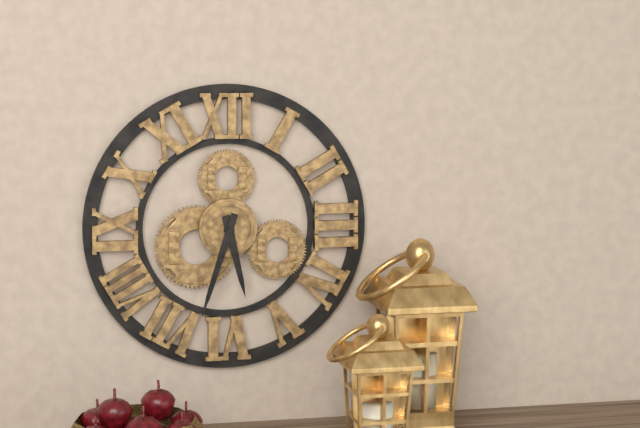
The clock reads 5.33
